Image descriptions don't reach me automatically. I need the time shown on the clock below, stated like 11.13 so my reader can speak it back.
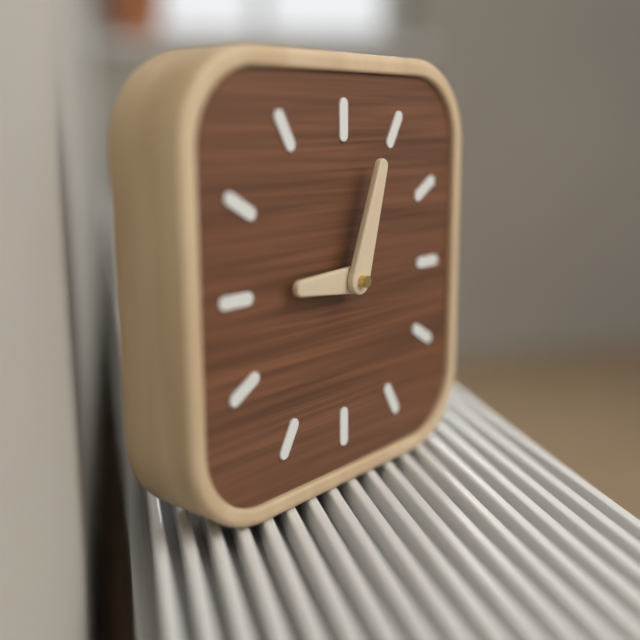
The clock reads 9.03
